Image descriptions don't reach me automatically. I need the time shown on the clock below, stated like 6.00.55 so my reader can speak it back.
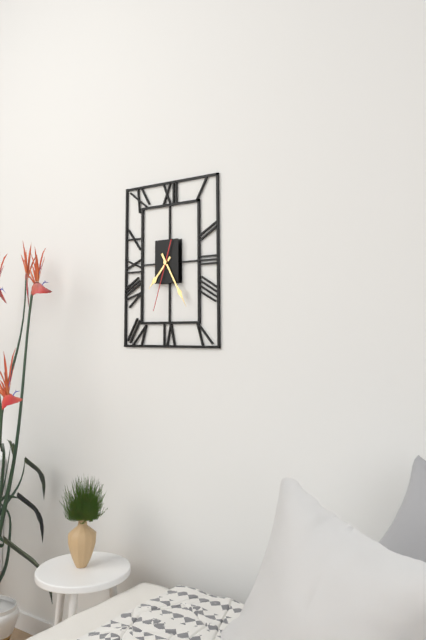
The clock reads 7.25.33
